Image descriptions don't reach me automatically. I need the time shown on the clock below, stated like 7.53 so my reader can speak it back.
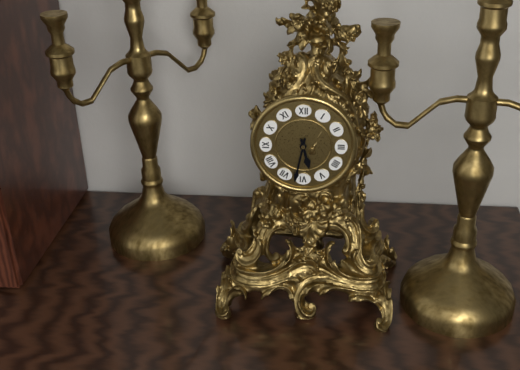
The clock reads 5.32
